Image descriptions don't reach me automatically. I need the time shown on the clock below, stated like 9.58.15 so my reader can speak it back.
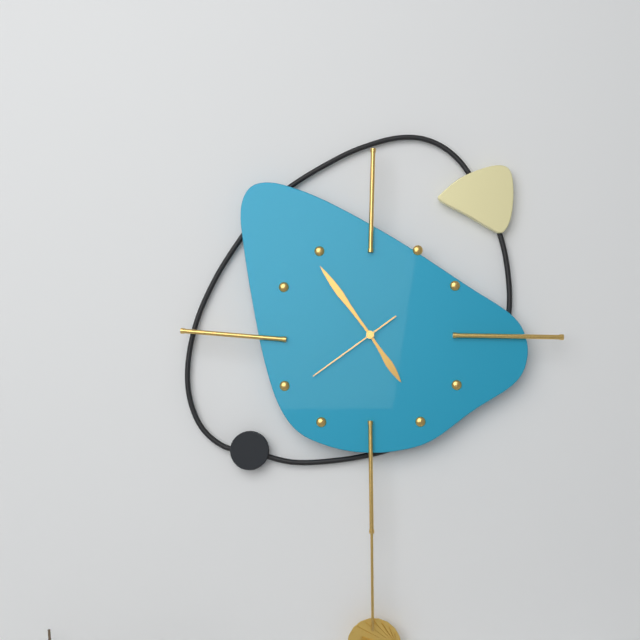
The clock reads 4.54.39
